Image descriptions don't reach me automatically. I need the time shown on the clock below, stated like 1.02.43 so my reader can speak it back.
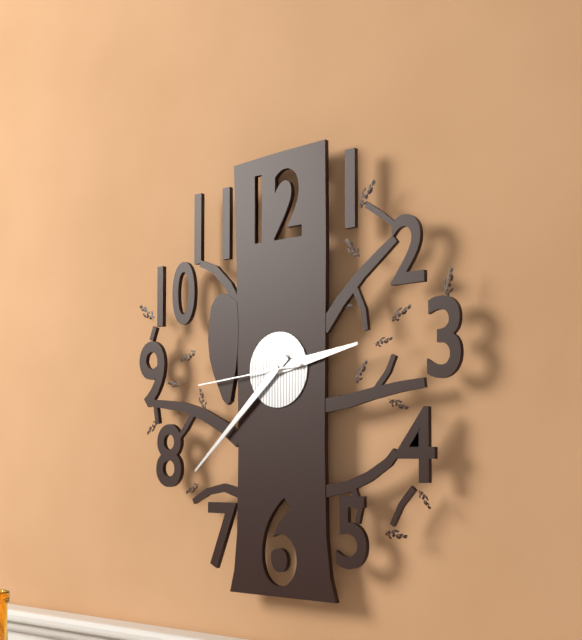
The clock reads 2.38.44
